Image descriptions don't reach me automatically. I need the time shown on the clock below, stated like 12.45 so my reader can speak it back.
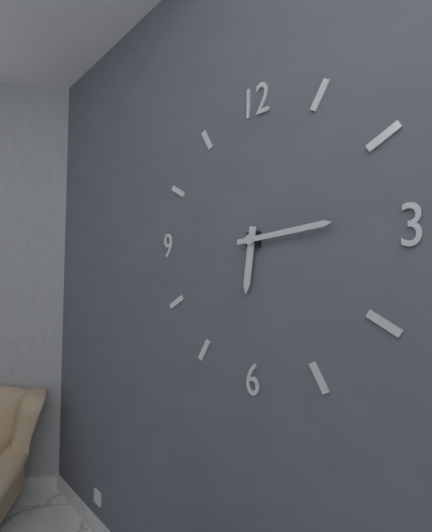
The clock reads 6.14
